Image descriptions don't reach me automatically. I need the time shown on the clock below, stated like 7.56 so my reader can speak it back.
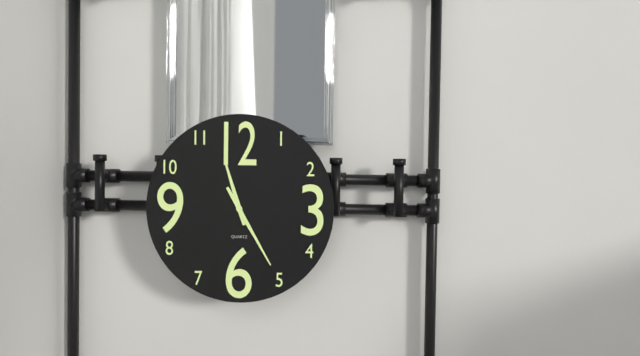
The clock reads 11.25
